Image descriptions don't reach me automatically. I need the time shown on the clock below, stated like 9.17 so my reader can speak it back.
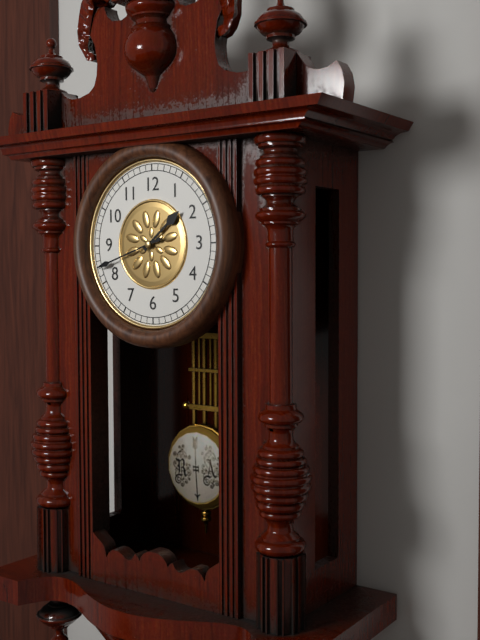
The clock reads 1.42
